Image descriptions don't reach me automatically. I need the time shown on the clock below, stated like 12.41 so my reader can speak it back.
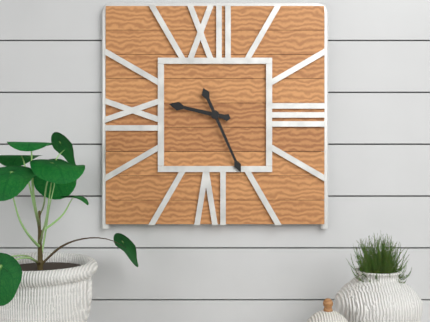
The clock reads 9.26
